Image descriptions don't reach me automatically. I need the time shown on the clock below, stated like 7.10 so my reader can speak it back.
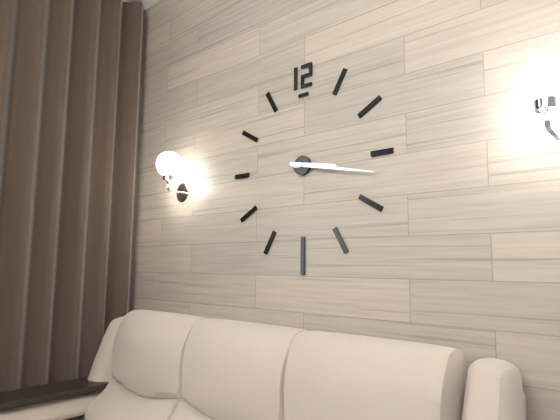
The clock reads 3.17
